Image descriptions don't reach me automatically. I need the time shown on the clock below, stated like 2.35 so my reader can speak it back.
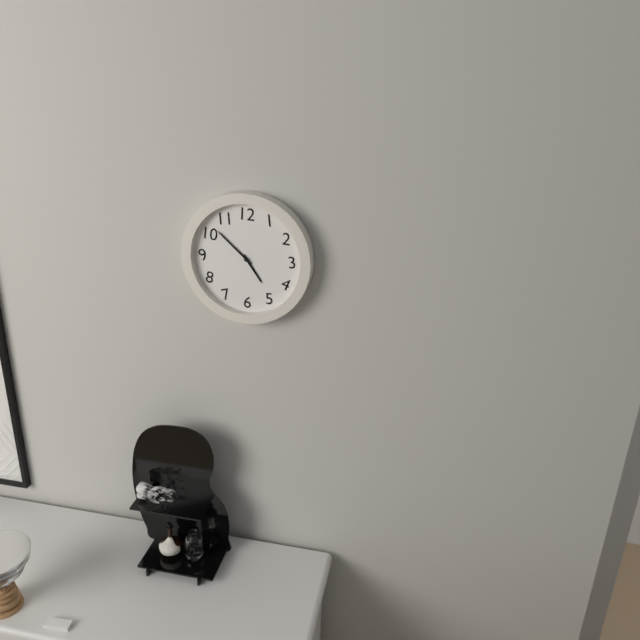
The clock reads 4.52
